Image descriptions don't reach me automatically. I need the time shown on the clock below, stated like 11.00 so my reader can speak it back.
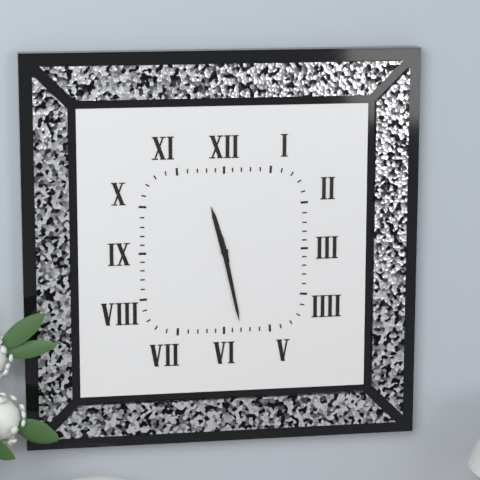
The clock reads 11.28
